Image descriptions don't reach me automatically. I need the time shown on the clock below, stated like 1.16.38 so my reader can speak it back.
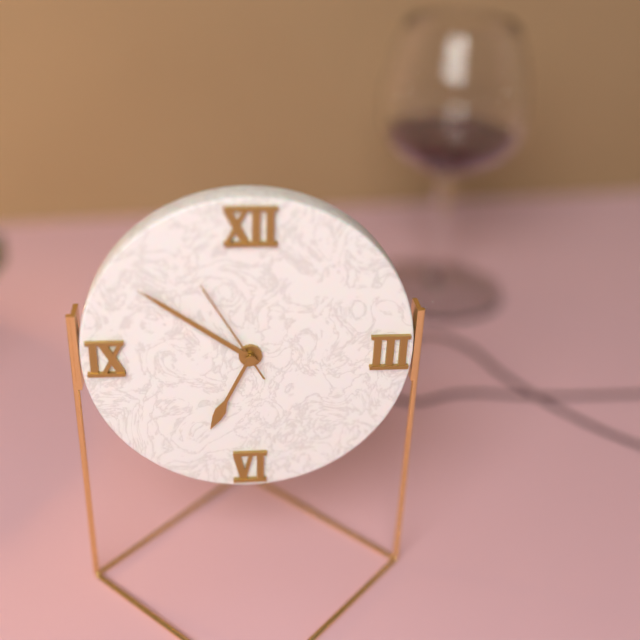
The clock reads 6.51.55
